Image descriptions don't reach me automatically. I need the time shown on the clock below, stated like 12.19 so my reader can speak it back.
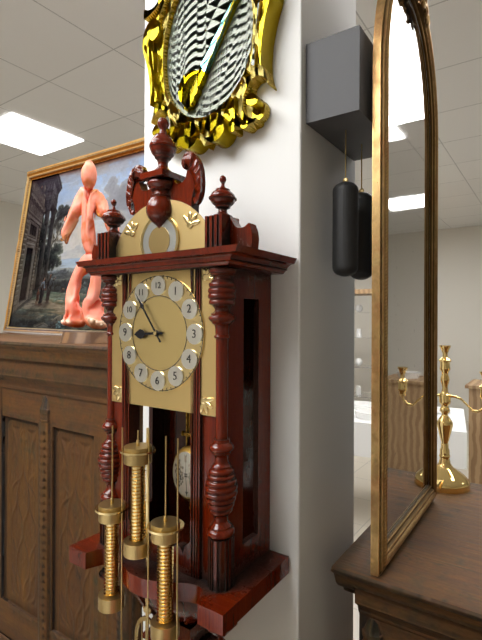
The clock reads 8.54
